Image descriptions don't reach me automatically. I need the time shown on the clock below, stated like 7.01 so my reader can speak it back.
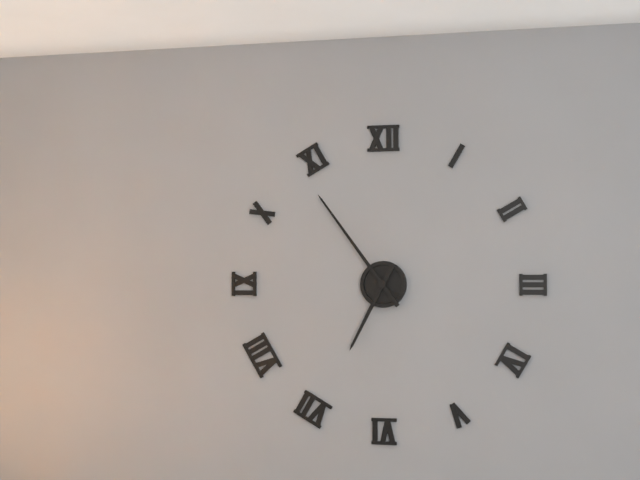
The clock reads 6.54
